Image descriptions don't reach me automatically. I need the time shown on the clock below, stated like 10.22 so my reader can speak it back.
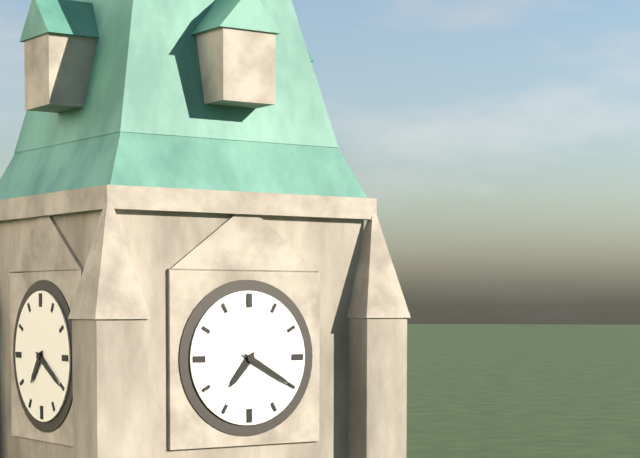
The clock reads 7.20
